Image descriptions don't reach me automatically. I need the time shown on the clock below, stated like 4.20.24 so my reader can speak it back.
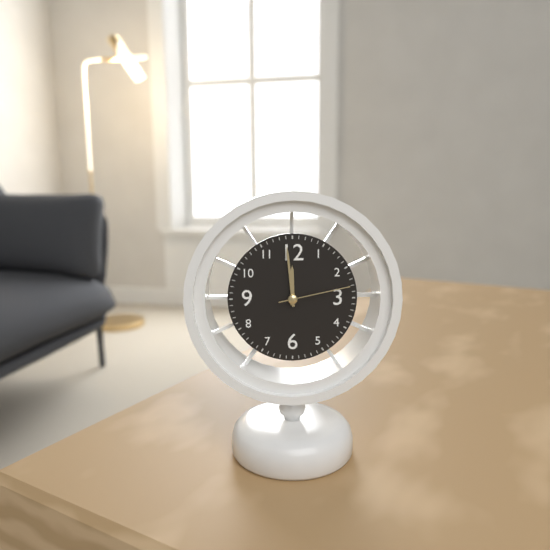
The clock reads 11.59.13
